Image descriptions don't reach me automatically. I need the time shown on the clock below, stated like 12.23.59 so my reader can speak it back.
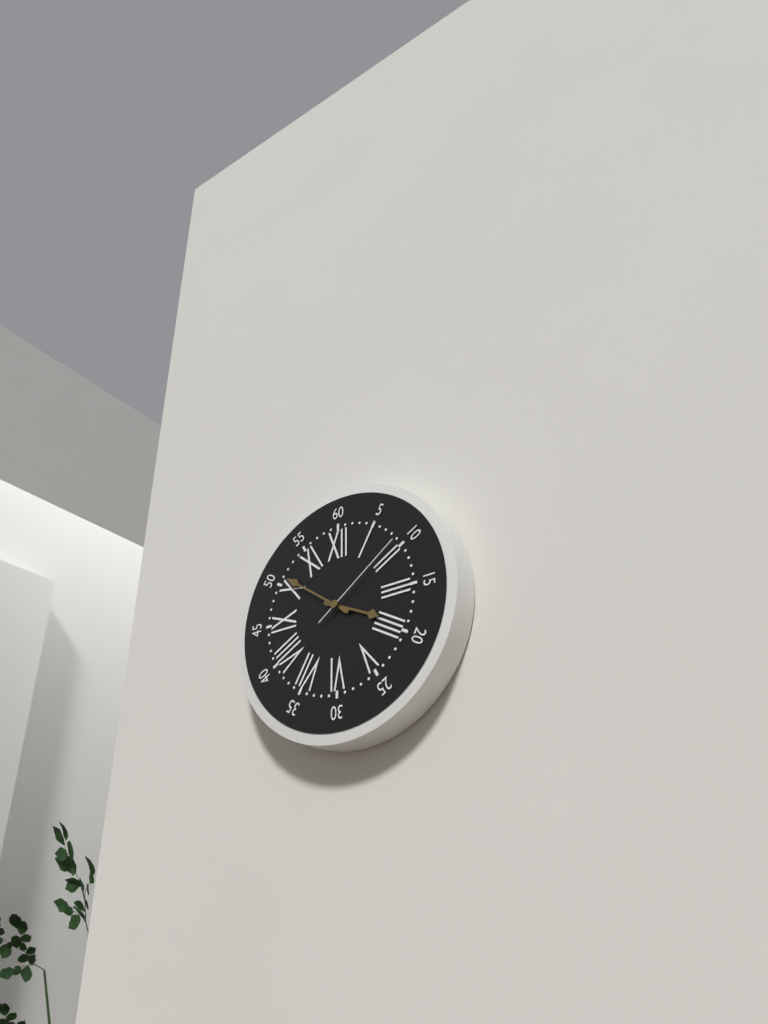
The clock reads 3.51.09
